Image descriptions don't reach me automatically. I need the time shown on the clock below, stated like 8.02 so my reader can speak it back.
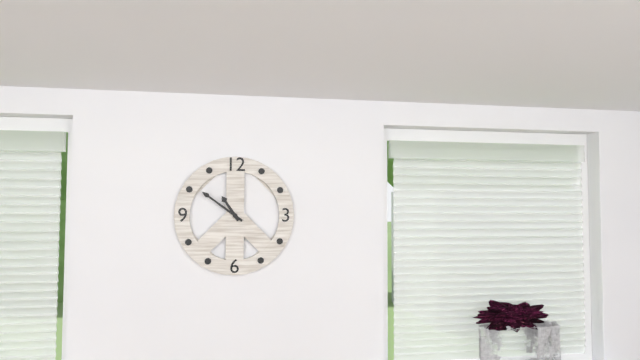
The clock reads 10.51
